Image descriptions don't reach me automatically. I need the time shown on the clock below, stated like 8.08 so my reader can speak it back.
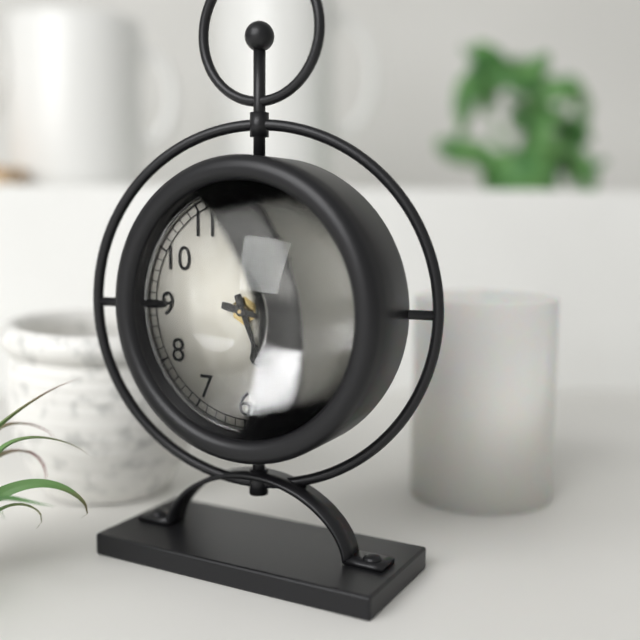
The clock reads 5.17
